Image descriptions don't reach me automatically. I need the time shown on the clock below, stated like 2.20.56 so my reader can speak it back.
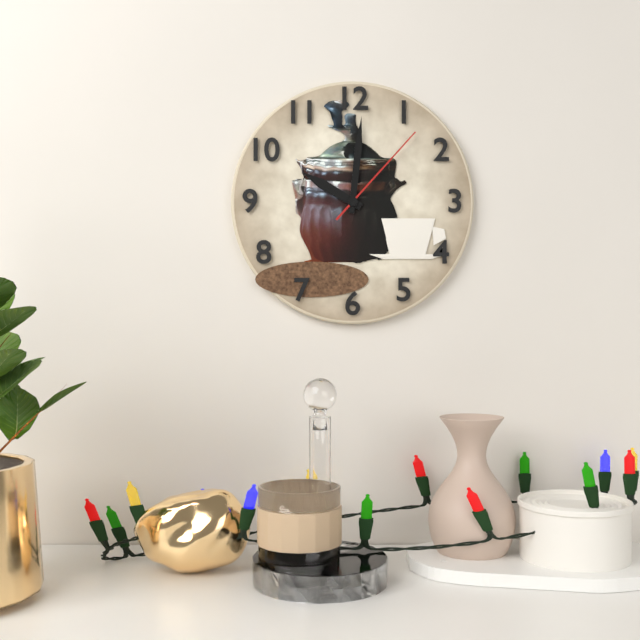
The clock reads 10.01.07
